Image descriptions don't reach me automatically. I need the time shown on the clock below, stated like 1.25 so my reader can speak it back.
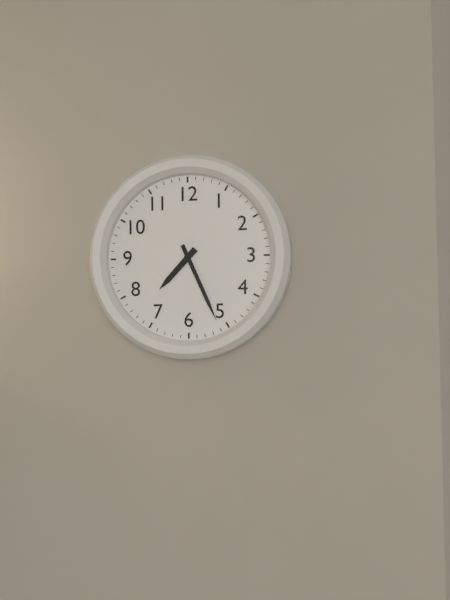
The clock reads 7.26
